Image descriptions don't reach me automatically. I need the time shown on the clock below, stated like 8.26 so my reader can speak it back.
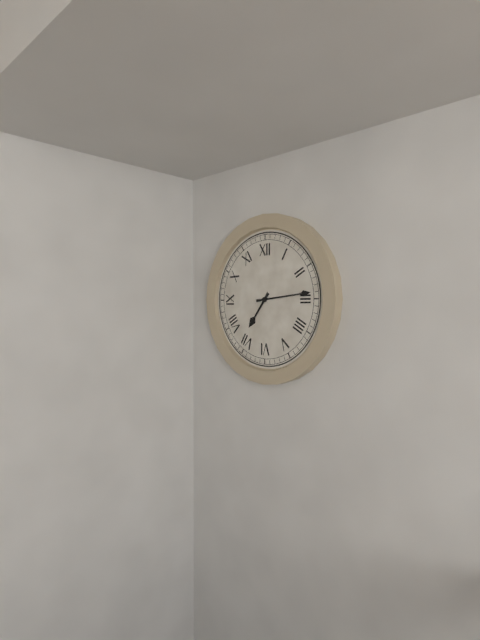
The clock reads 7.14
